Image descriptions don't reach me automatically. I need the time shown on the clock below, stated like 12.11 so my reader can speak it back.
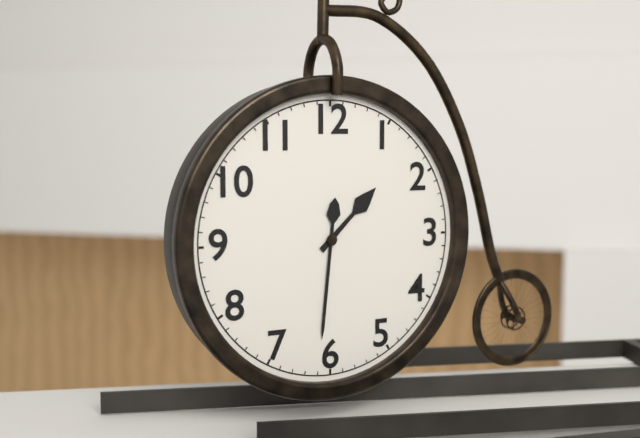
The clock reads 1.31
